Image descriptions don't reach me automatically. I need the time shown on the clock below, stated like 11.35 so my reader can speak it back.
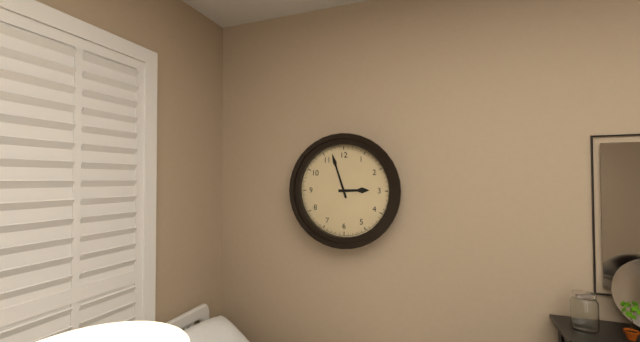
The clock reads 2.57
